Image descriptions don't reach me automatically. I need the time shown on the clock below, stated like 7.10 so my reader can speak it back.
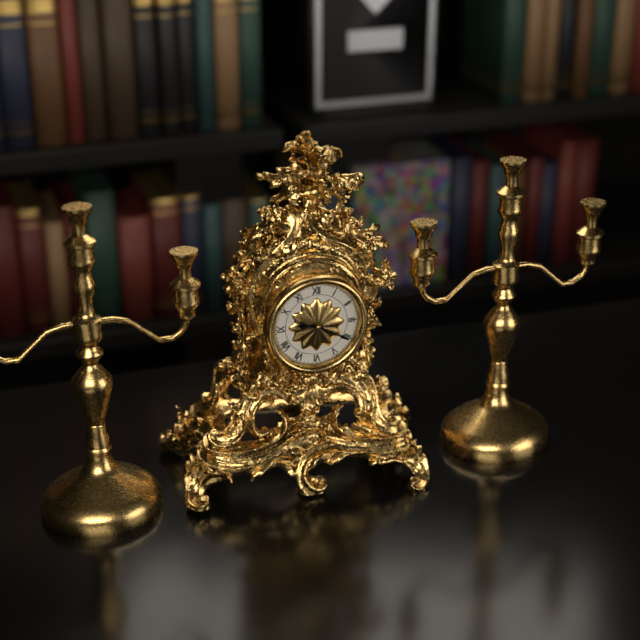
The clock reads 9.20
